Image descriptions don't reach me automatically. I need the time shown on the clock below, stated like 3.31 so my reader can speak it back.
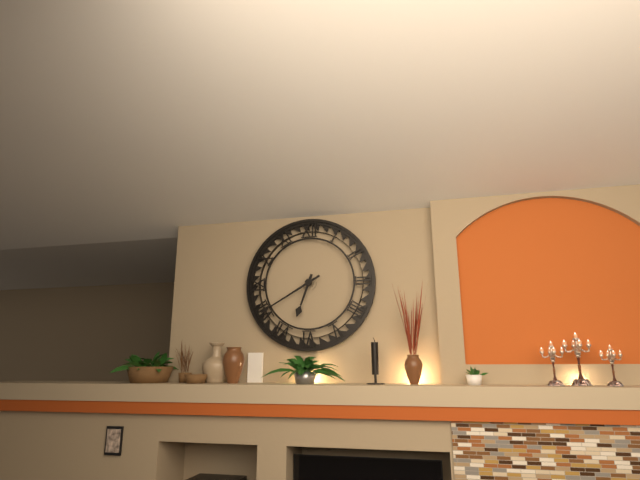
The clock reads 6.40
